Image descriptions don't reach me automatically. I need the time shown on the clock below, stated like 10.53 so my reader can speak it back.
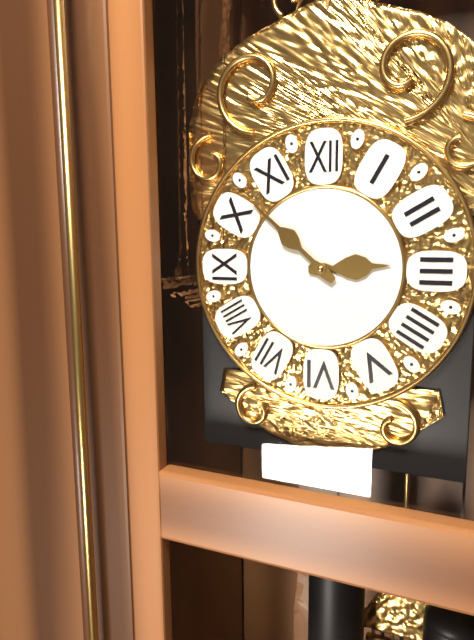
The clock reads 2.52
